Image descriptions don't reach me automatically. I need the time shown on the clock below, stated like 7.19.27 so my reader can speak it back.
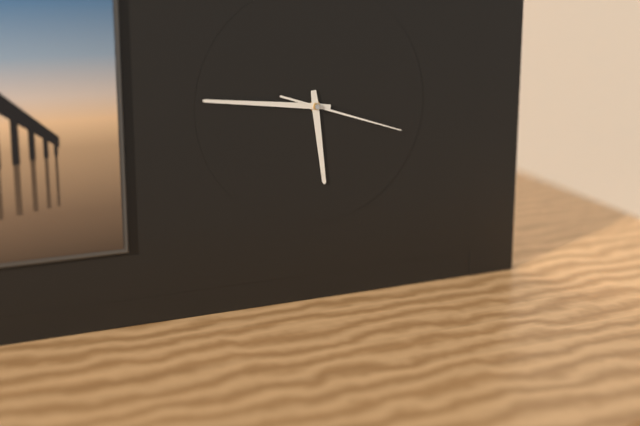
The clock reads 5.46.18
